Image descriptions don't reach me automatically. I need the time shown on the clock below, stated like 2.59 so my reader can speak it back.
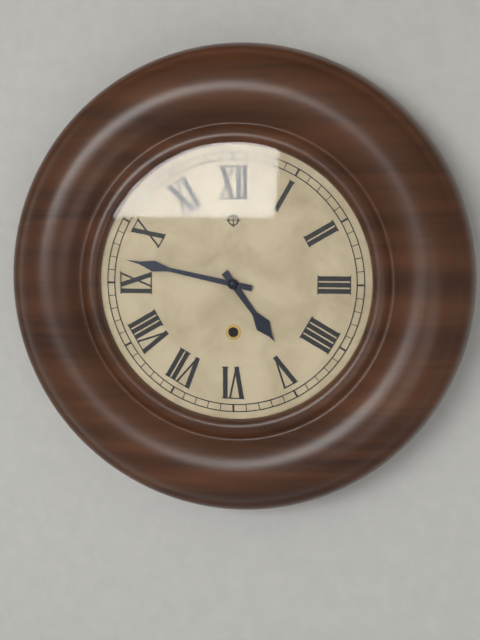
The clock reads 4.47
